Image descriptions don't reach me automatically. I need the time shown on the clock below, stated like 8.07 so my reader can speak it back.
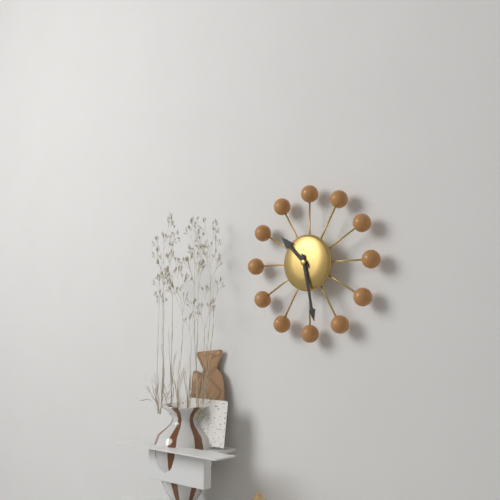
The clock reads 10.28
